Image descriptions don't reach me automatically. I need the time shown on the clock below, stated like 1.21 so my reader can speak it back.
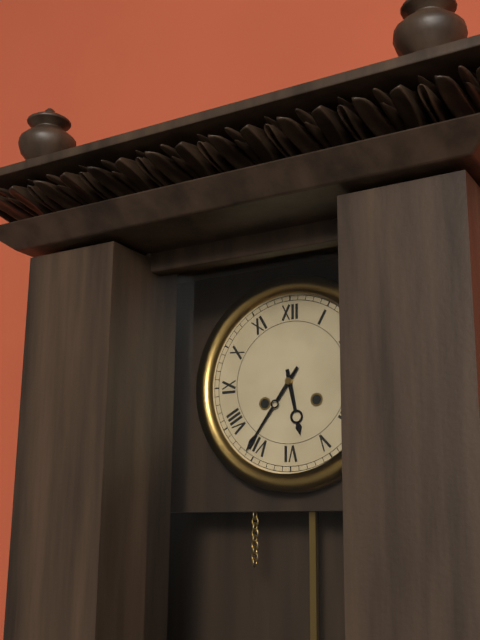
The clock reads 5.36
